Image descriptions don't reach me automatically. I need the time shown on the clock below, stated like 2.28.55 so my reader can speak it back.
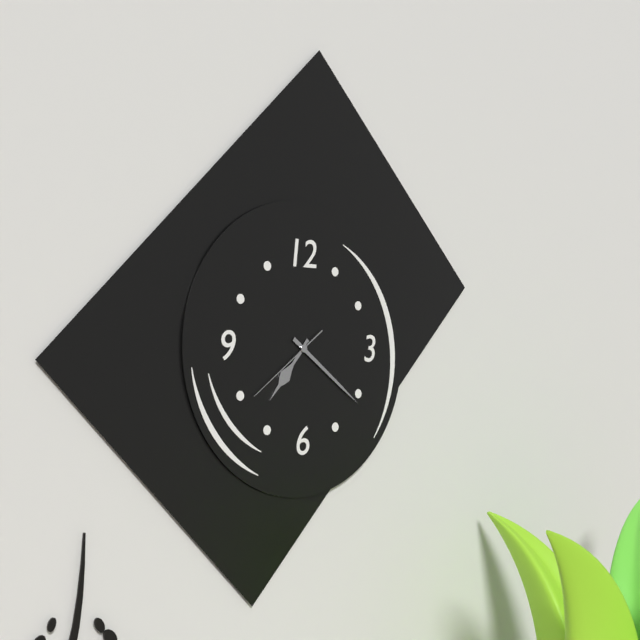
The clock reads 7.21.39
